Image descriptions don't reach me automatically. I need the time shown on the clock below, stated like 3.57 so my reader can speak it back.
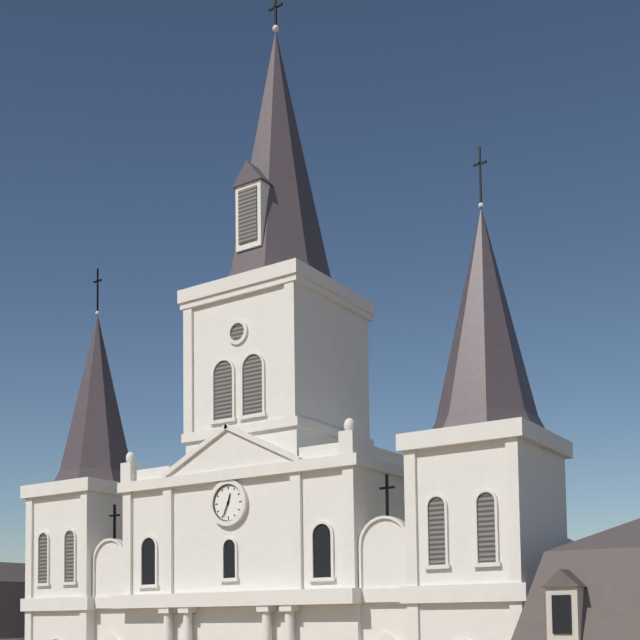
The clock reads 12.34
